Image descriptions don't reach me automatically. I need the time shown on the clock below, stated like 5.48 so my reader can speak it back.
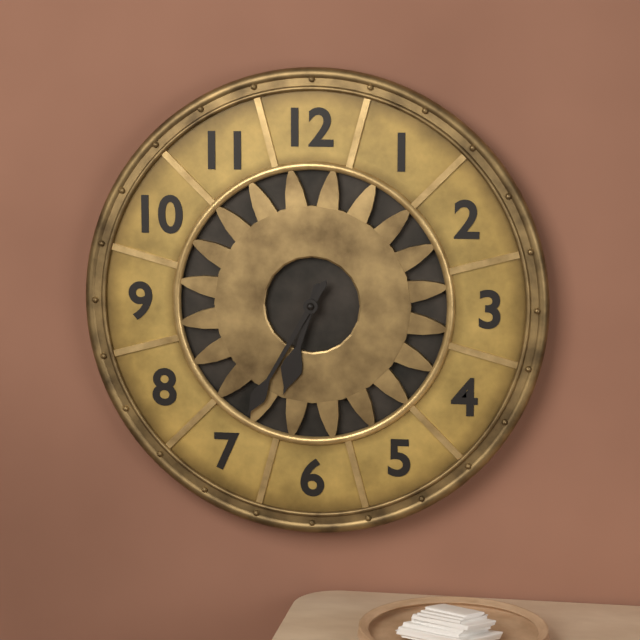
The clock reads 6.35
